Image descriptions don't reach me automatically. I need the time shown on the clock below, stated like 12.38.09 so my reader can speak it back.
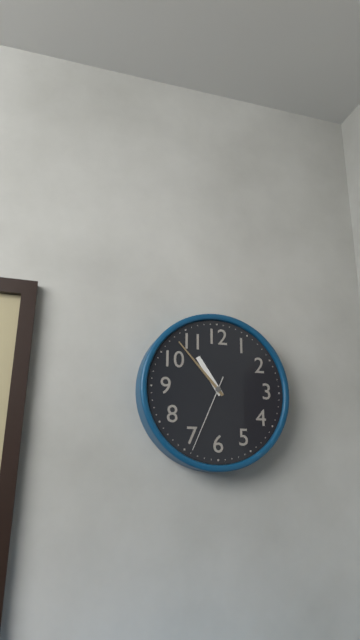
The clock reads 10.53.34
